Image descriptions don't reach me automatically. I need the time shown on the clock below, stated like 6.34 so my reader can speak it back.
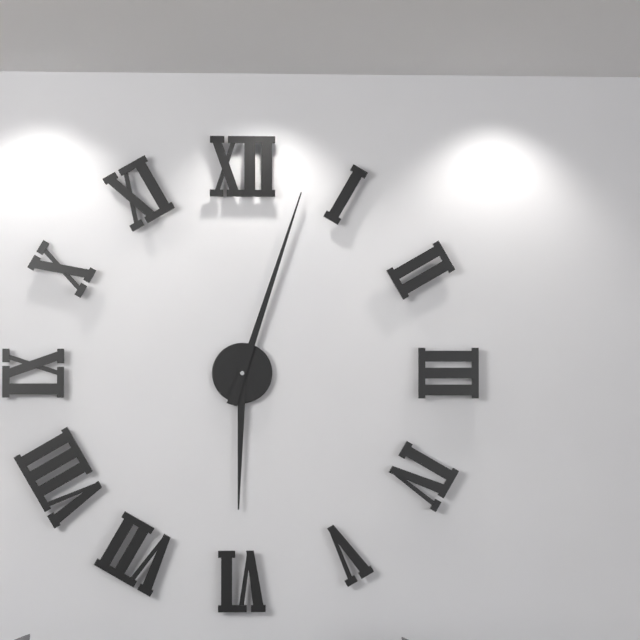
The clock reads 6.03
